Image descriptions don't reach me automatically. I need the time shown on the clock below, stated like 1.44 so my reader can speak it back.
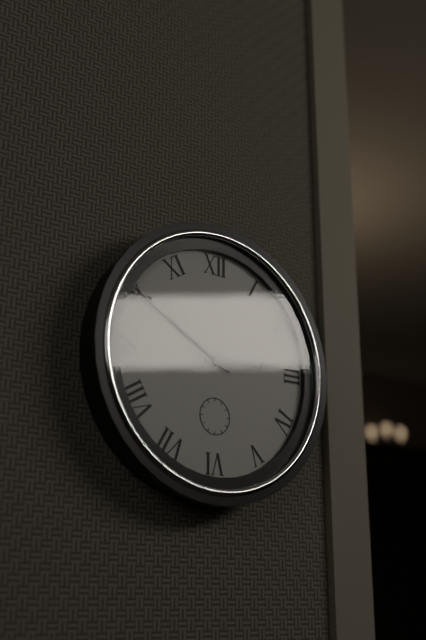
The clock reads 2.50
